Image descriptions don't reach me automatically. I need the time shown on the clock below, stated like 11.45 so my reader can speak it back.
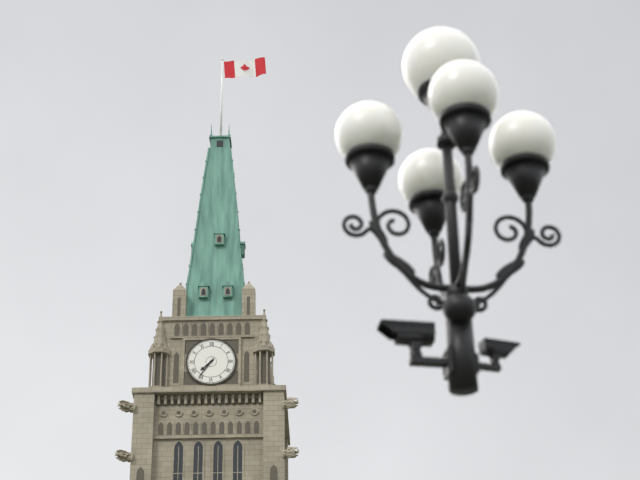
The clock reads 7.36
